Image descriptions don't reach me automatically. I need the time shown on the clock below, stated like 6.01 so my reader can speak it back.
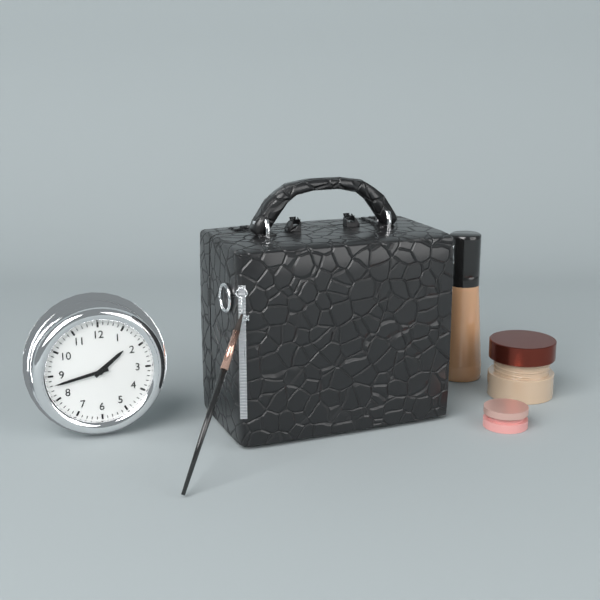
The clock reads 1.43
